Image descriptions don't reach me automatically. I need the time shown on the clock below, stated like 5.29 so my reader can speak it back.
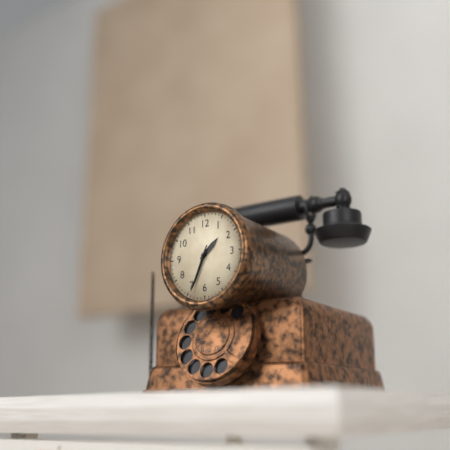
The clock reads 1.34
